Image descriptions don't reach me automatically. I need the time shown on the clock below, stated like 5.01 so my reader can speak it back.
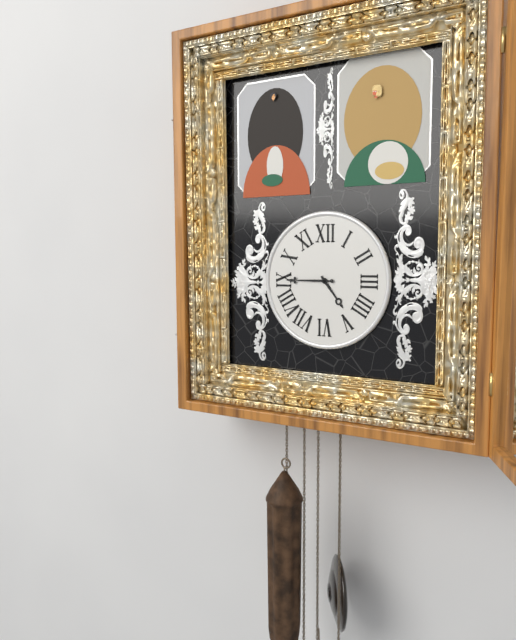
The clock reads 4.45
